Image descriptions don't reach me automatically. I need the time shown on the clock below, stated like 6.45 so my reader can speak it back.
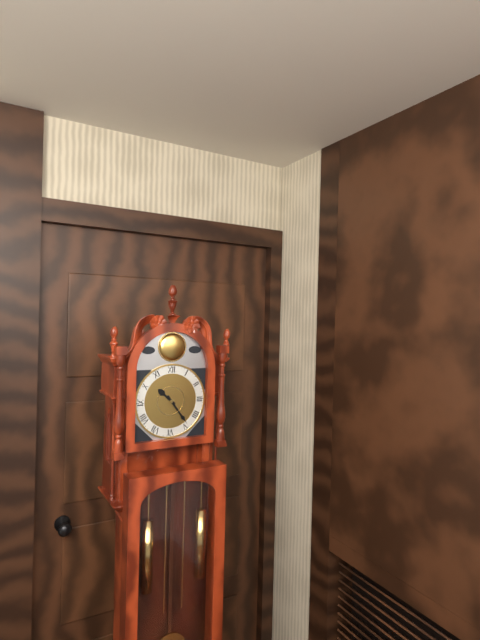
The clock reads 10.24
